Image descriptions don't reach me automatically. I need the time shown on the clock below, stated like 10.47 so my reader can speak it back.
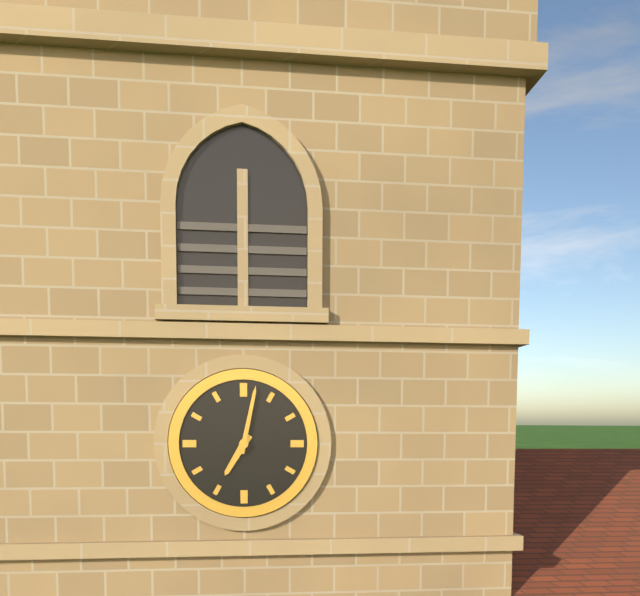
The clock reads 7.02
